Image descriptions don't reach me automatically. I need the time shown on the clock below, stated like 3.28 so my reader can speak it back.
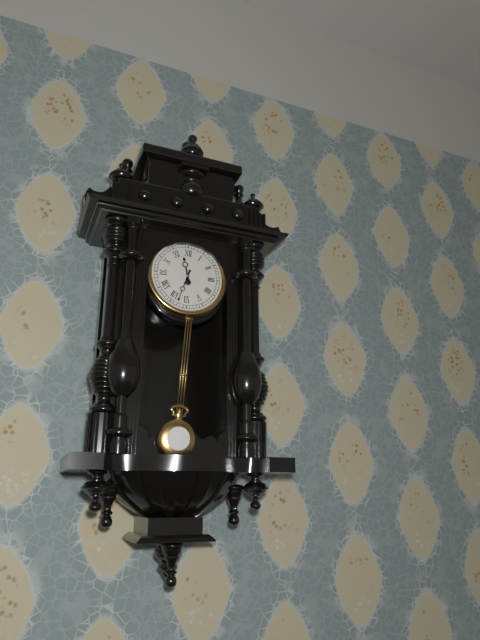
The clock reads 11.33
